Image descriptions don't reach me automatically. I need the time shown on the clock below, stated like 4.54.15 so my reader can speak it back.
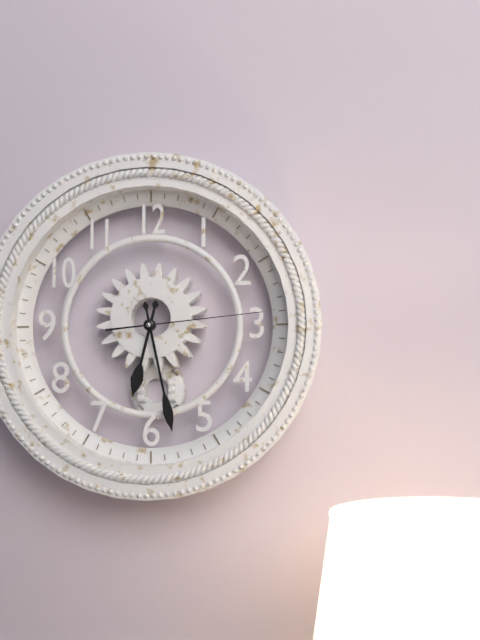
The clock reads 6.28.14
